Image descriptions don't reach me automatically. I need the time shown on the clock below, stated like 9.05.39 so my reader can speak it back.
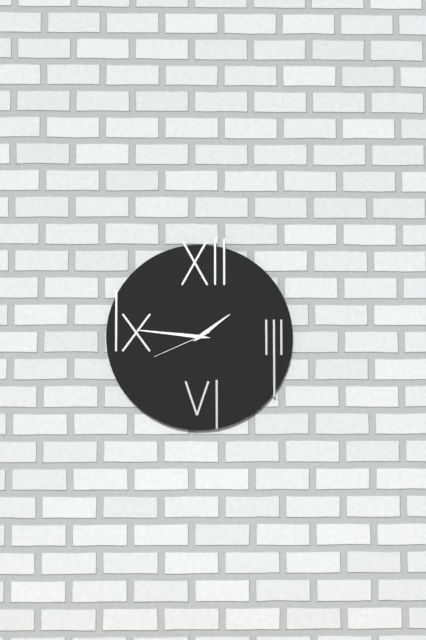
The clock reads 1.46.41
